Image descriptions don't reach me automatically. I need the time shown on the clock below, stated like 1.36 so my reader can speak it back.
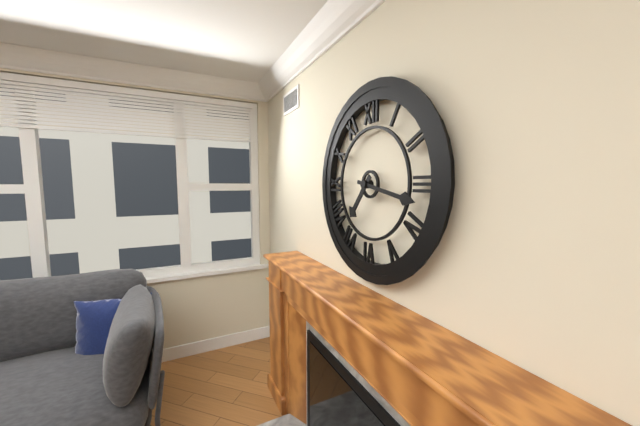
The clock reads 7.17
